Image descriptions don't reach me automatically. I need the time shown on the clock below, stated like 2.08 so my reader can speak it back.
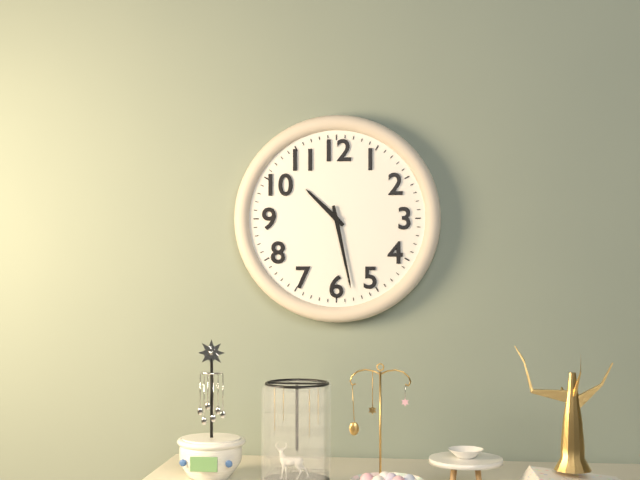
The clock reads 10.28
